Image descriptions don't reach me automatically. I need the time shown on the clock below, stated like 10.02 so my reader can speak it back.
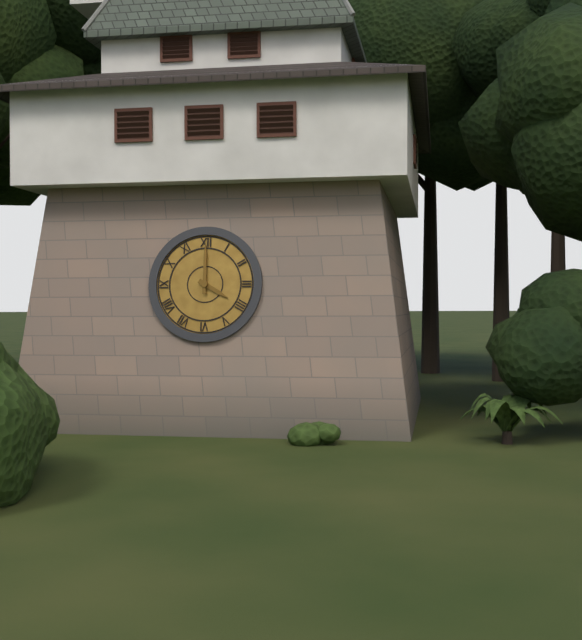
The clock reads 4.00
